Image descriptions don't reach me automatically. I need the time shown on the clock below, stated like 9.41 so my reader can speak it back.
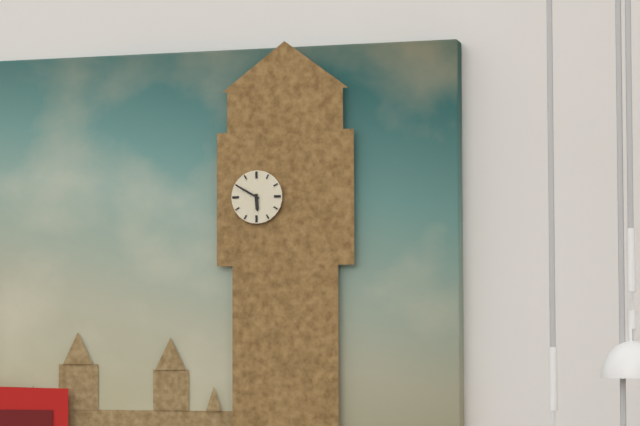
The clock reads 5.50
